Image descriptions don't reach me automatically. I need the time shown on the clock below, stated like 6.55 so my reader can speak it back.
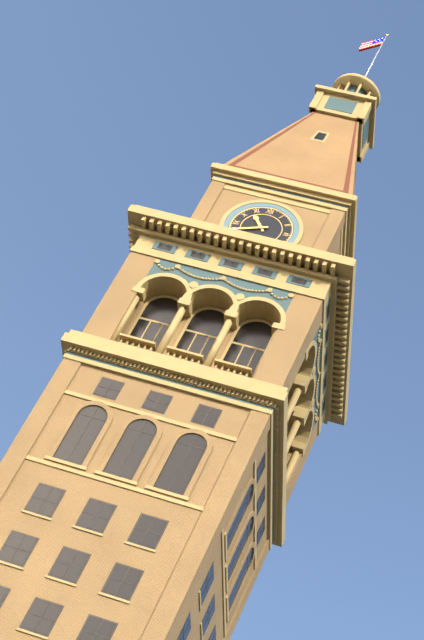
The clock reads 10.41
